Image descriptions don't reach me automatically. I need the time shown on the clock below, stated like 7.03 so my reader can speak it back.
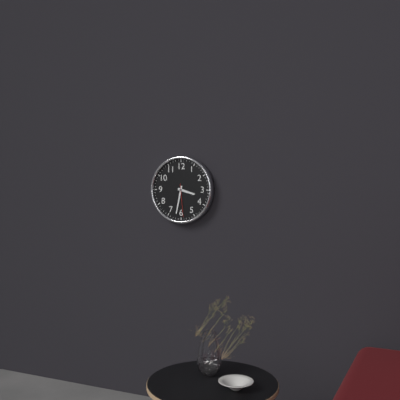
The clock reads 3.32
